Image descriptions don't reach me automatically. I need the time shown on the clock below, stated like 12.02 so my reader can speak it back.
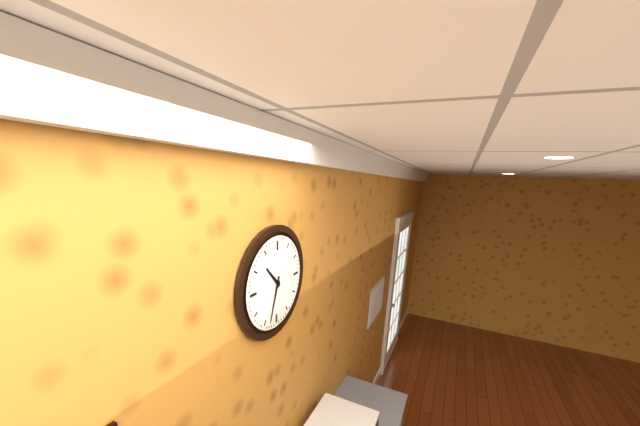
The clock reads 10.33
